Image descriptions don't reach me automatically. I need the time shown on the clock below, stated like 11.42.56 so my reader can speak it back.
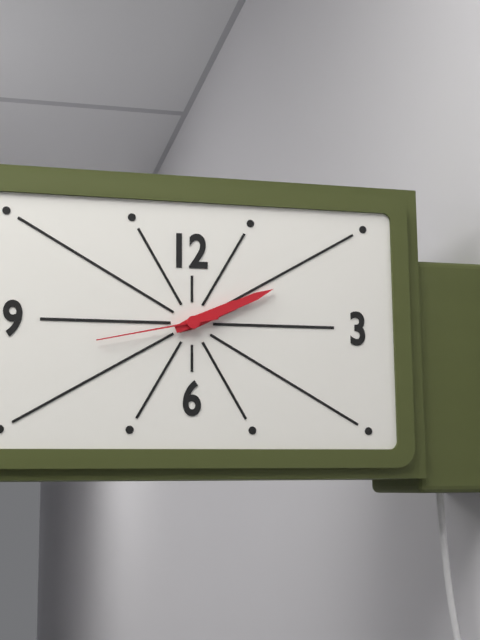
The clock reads 2.11.43
